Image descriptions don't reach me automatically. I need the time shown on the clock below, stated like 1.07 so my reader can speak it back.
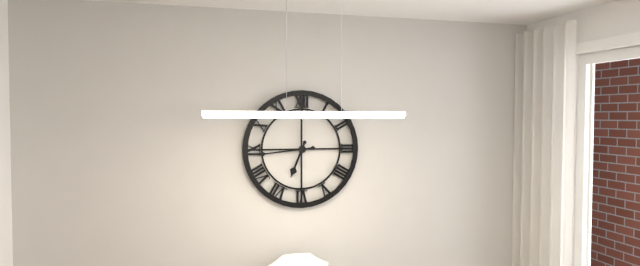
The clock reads 6.44
